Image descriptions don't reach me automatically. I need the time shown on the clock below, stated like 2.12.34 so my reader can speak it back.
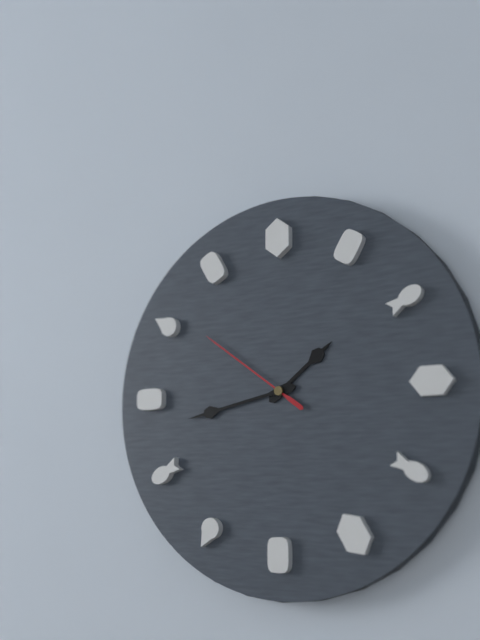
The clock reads 1.43.51
